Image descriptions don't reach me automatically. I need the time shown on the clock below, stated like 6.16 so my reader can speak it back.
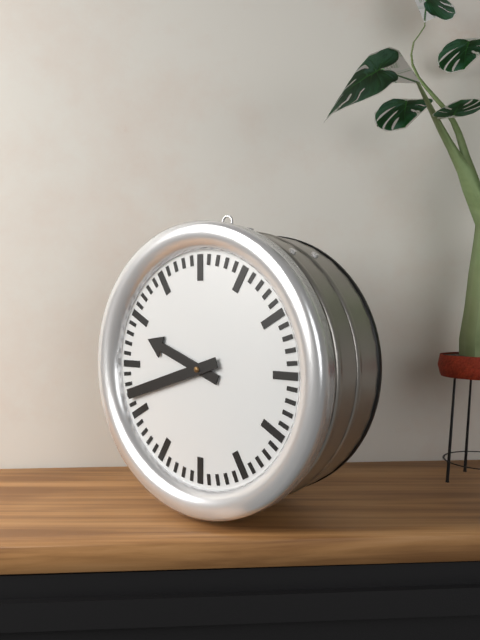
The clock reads 9.42
